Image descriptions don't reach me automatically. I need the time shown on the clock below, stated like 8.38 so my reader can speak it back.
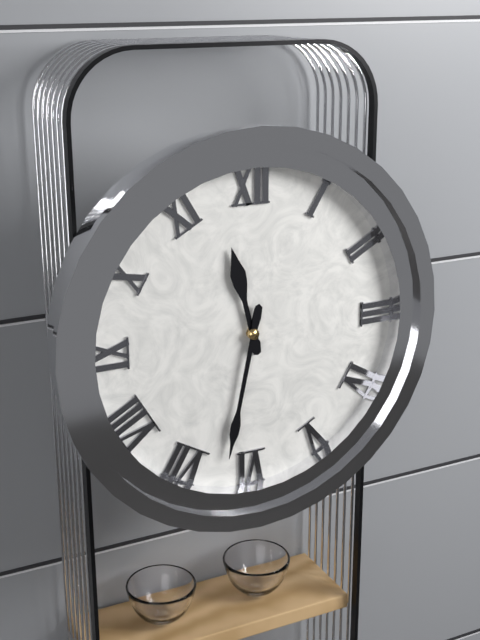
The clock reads 11.32
